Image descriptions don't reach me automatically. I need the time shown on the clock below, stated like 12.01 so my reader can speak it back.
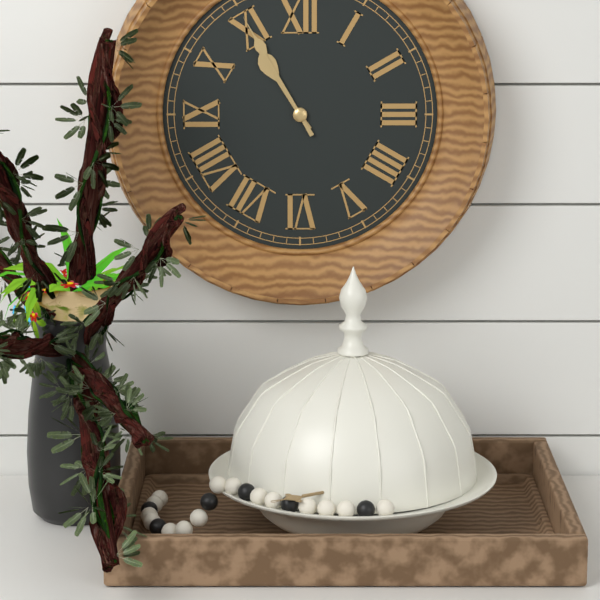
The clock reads 10.55
